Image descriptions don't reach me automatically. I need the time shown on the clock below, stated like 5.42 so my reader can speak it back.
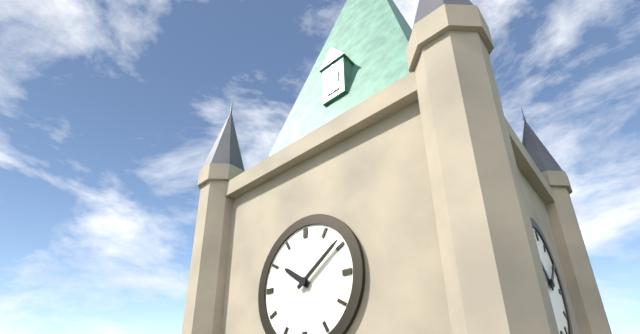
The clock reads 10.09
